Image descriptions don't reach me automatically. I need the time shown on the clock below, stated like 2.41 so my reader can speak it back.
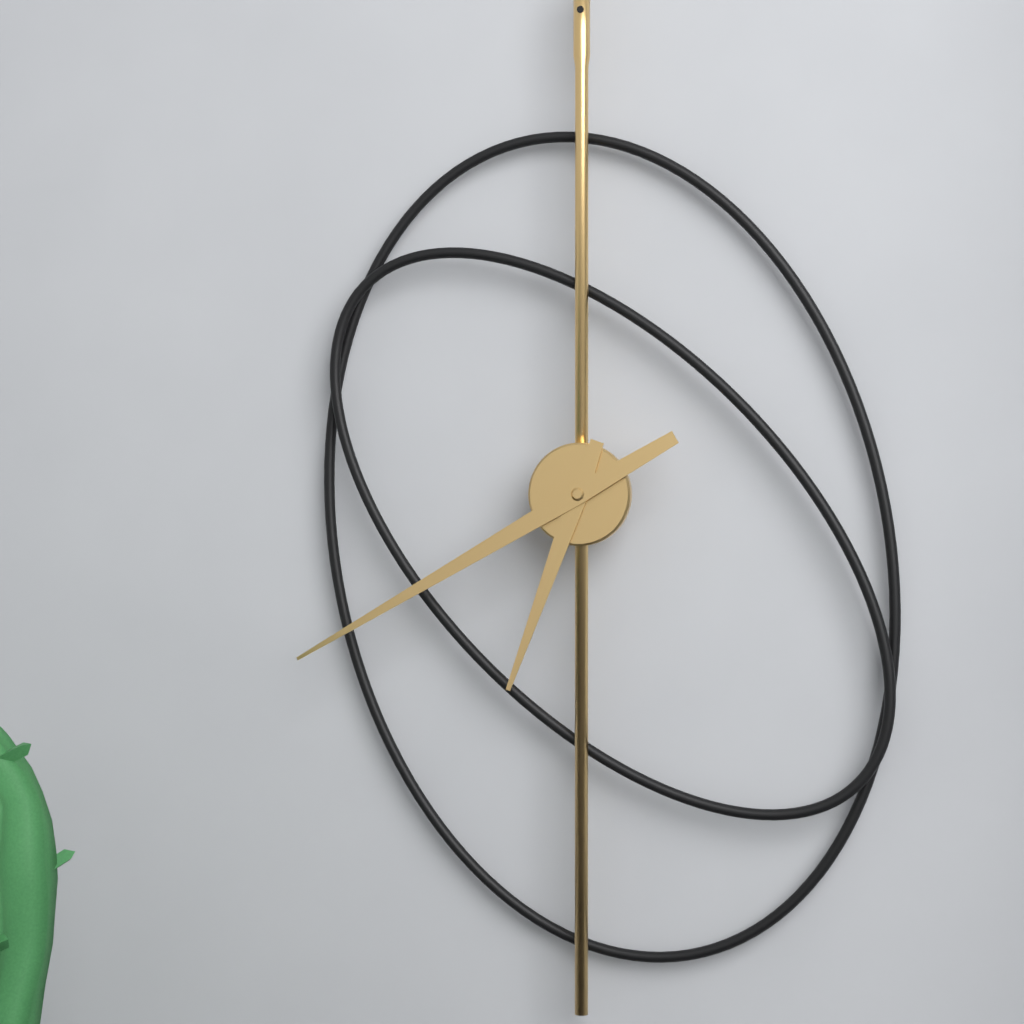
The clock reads 6.40
